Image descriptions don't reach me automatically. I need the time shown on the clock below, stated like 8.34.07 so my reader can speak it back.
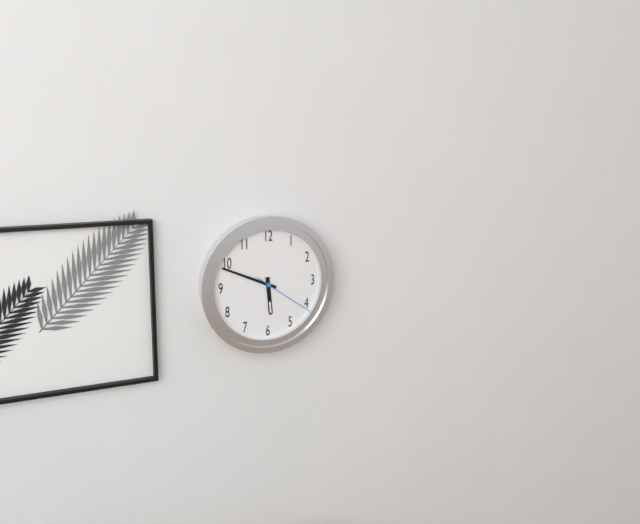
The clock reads 5.49.21
